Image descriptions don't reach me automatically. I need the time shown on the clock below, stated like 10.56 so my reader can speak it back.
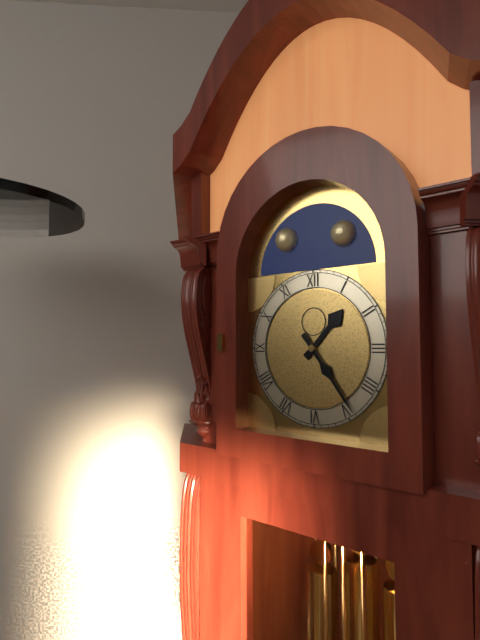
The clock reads 1.24
